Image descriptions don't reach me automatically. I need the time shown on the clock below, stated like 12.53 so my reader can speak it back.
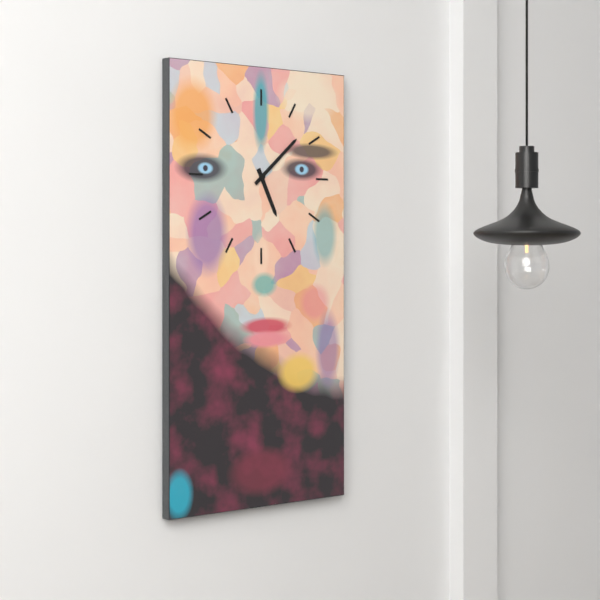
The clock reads 5.08
